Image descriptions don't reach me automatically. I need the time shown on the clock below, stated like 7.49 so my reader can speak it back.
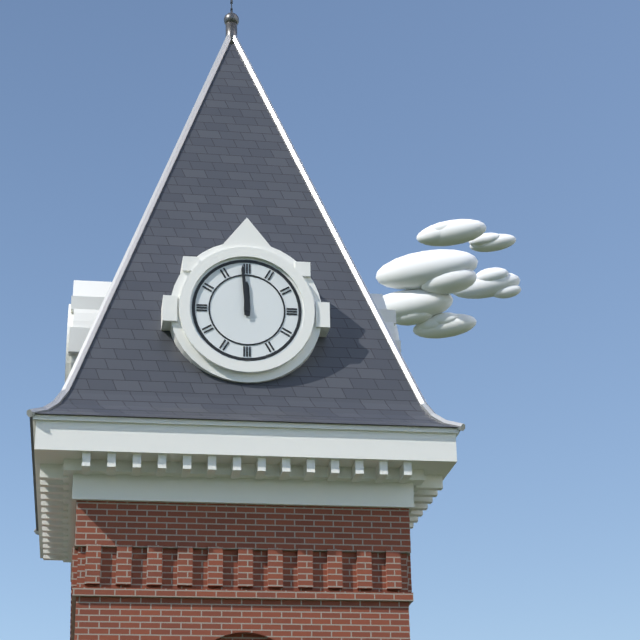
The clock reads 11.59
